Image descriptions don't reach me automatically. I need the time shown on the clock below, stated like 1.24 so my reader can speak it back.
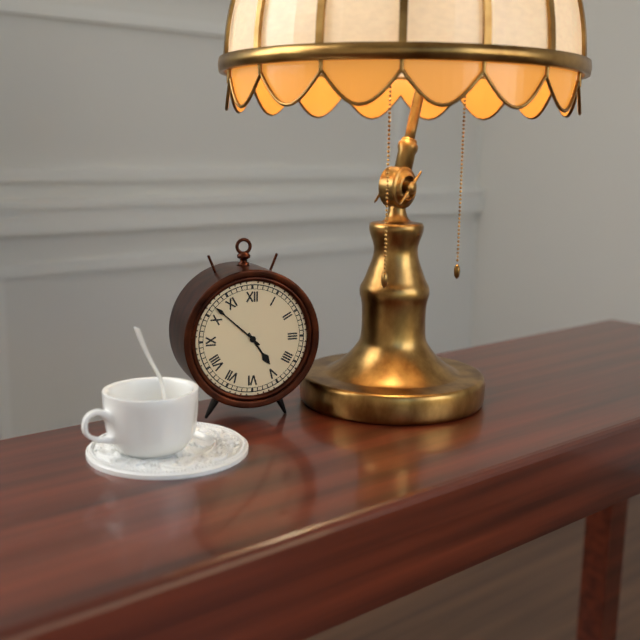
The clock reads 4.52
